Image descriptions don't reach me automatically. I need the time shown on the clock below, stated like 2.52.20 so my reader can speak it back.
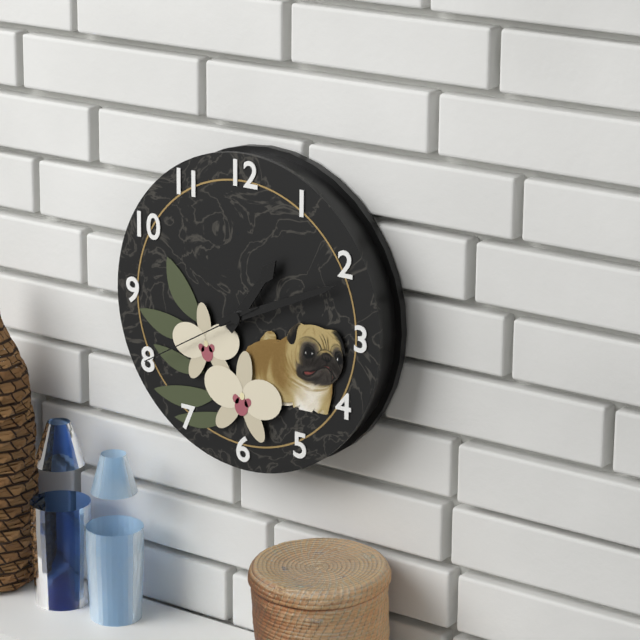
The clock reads 1.11.40
